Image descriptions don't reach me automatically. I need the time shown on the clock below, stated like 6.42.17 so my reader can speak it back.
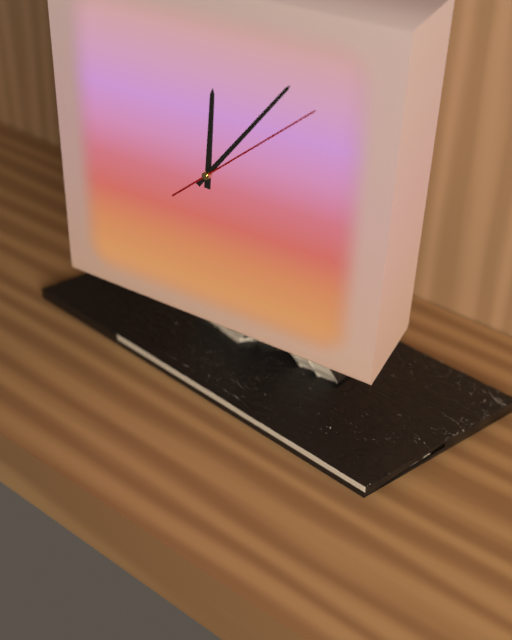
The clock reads 12.06.08
